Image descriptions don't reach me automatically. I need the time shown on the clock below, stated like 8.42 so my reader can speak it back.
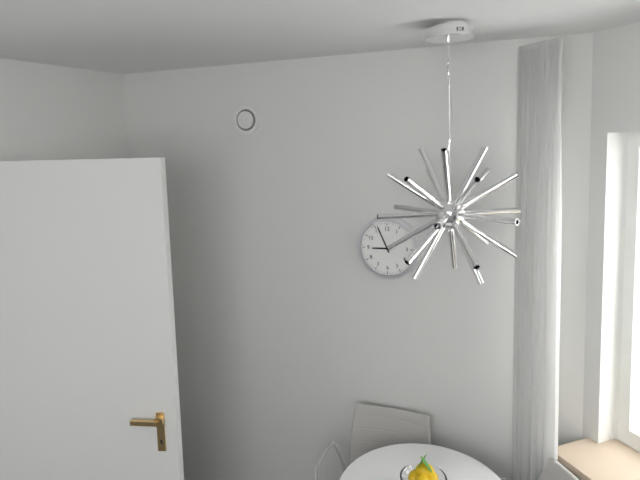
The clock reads 8.56
